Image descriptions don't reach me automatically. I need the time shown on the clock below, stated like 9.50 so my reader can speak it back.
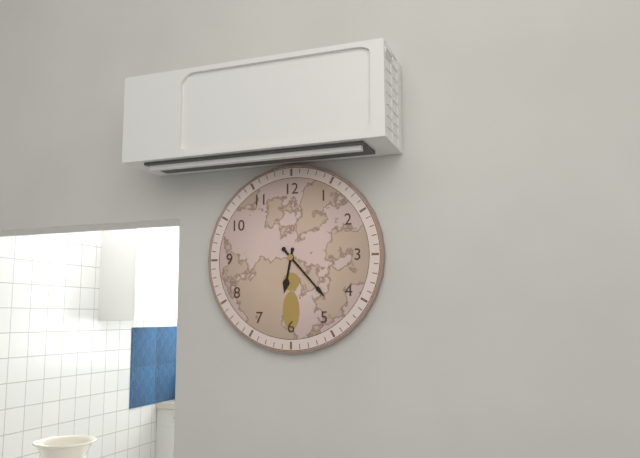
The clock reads 6.23
